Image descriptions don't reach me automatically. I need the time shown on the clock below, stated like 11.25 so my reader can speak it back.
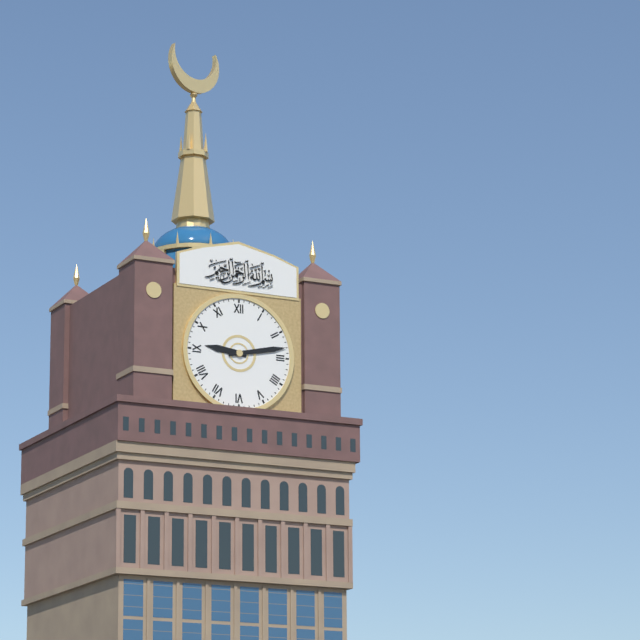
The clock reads 9.13
